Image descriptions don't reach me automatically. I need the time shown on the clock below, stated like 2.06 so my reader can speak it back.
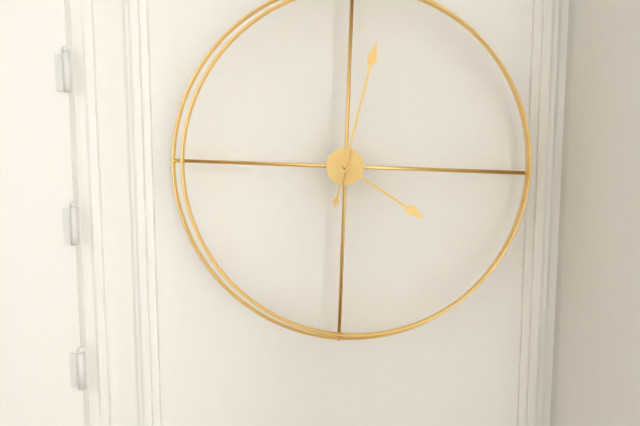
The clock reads 4.02
